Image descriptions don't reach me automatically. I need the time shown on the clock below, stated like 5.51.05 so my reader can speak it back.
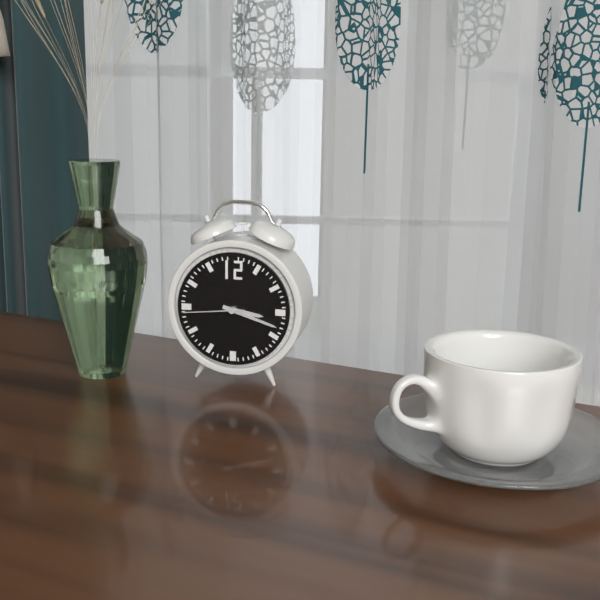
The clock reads 3.18.44
